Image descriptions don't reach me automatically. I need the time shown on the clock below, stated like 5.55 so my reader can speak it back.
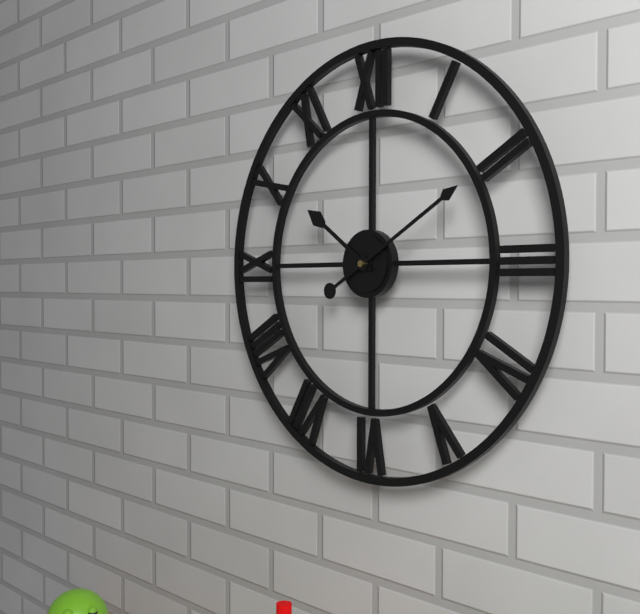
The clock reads 10.10
